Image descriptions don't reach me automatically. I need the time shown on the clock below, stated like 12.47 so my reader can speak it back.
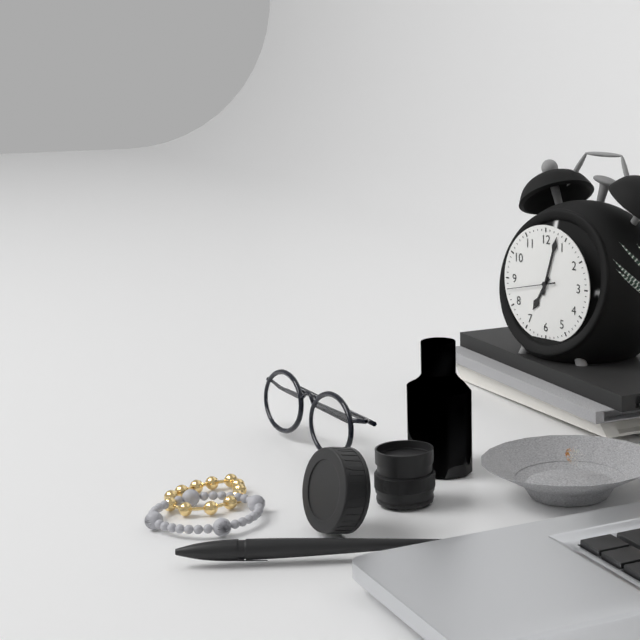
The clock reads 7.03
